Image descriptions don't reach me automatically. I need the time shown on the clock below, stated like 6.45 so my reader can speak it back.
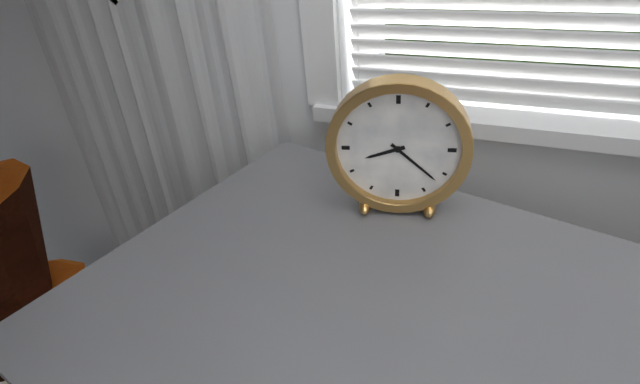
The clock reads 8.22
